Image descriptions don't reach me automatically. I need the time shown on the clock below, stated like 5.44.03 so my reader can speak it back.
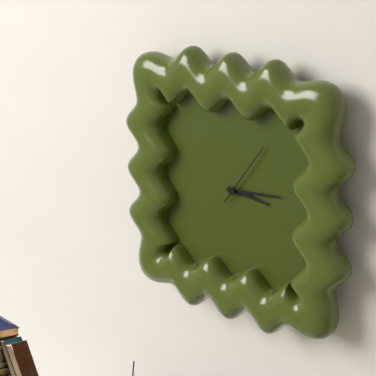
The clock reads 3.14.06
